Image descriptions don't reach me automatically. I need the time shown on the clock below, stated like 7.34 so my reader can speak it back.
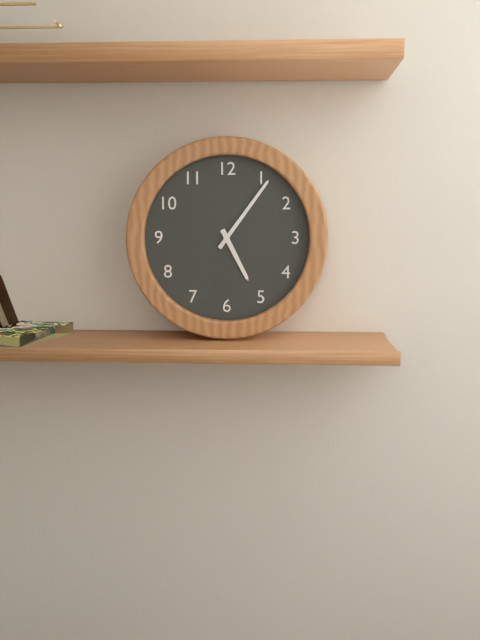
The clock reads 5.06
